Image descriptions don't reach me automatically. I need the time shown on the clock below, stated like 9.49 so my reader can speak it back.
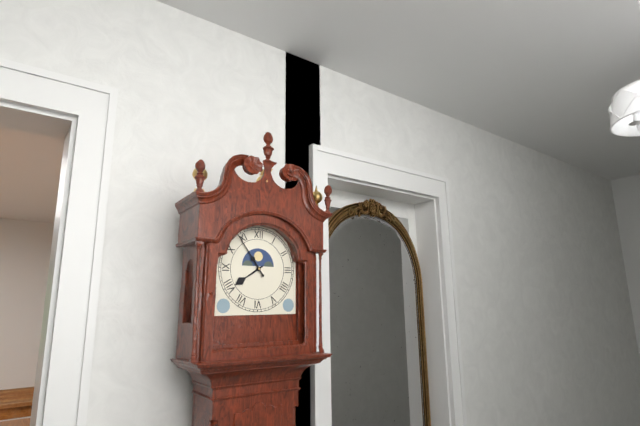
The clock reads 7.54
